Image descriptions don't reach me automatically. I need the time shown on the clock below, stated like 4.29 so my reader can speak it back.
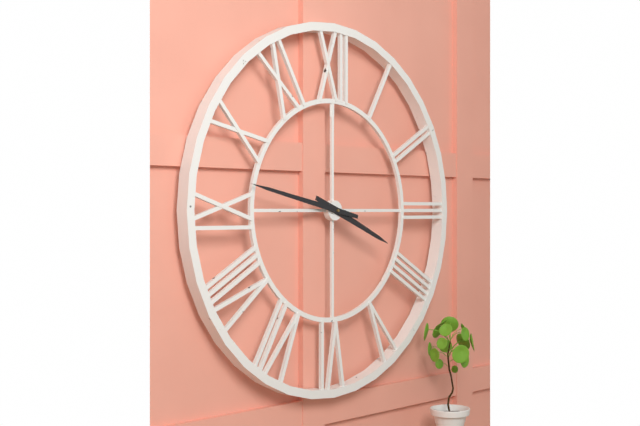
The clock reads 3.47
